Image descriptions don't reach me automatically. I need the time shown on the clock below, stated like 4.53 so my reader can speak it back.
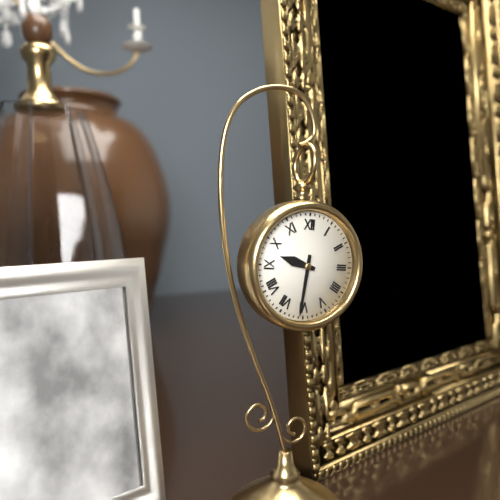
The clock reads 9.31
